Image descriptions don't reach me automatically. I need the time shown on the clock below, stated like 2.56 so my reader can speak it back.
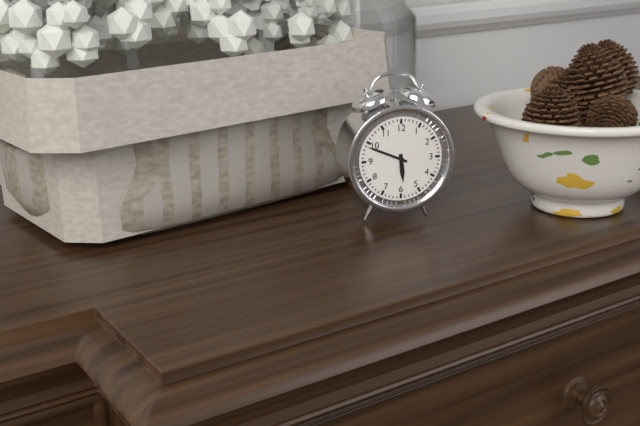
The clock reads 5.49
